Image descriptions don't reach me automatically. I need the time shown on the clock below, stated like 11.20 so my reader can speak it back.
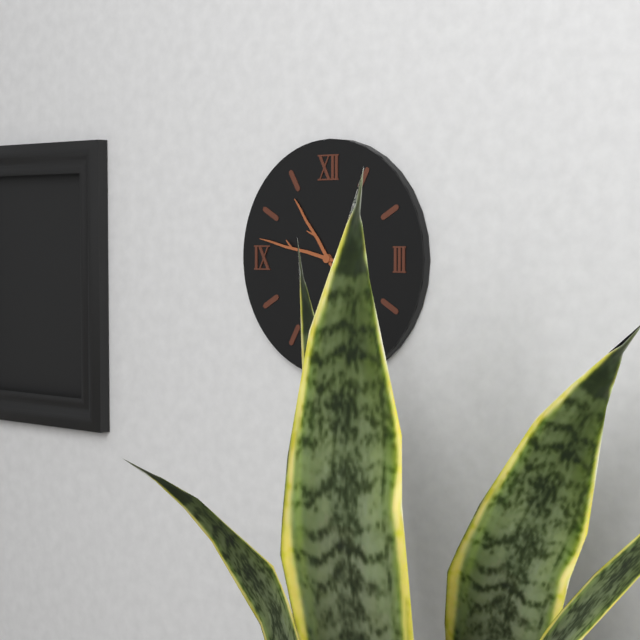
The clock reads 10.47
